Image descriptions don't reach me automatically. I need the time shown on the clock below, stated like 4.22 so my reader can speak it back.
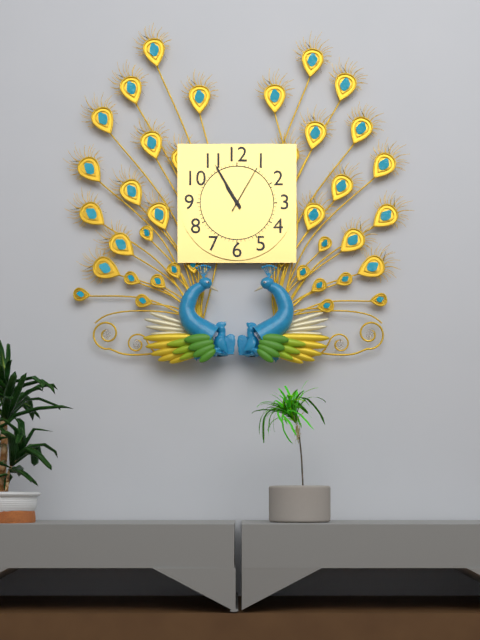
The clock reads 10.55
